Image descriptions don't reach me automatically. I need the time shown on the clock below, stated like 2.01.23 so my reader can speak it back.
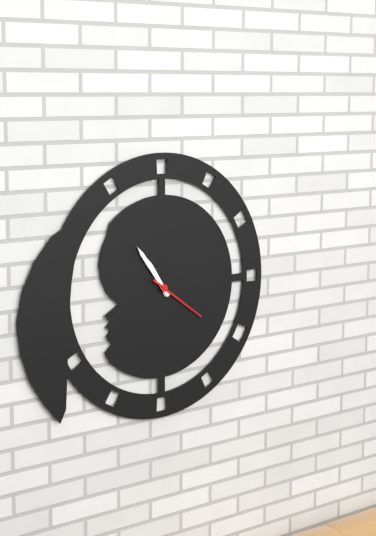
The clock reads 10.54.21
